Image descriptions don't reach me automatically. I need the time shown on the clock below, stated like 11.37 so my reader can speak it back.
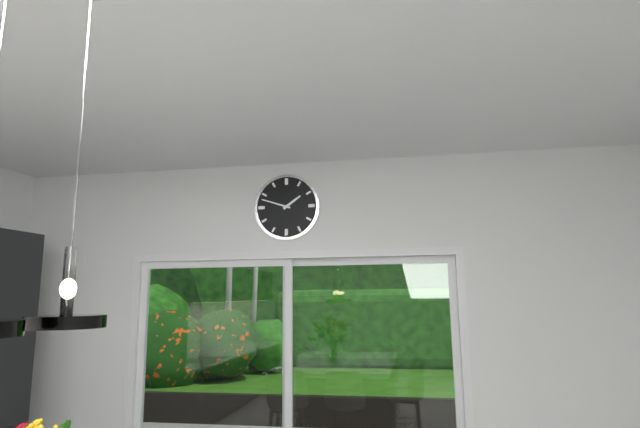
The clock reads 1.48
